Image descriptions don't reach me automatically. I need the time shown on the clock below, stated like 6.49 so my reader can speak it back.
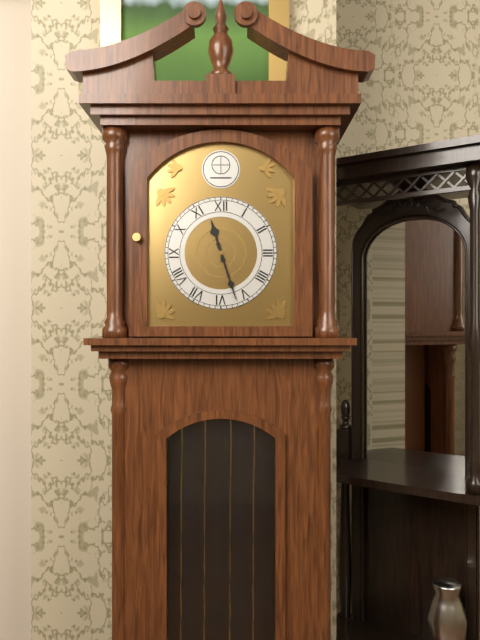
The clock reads 11.27
